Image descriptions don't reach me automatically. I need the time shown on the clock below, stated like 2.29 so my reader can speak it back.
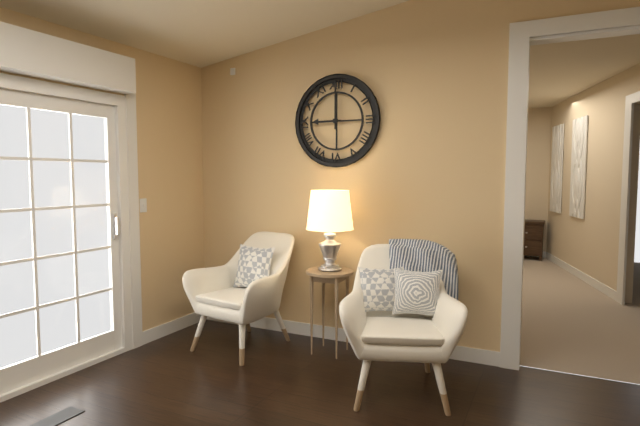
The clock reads 9.00
